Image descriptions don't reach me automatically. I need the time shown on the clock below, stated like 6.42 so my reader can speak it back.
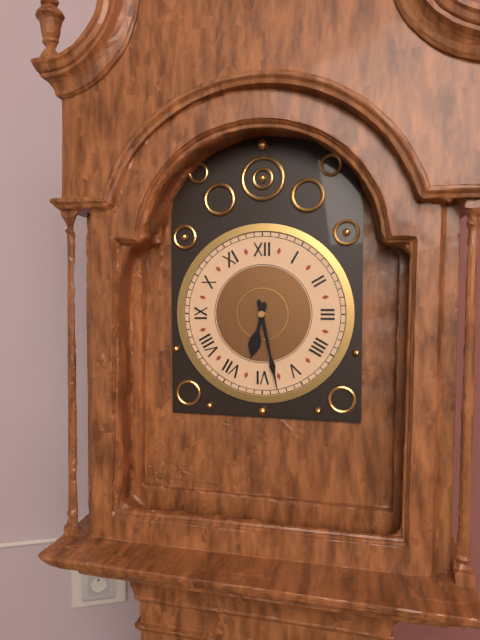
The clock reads 6.28
